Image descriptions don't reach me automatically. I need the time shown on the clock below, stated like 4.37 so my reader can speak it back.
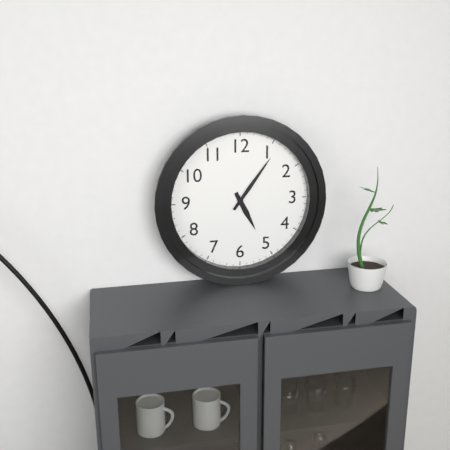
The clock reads 5.06
